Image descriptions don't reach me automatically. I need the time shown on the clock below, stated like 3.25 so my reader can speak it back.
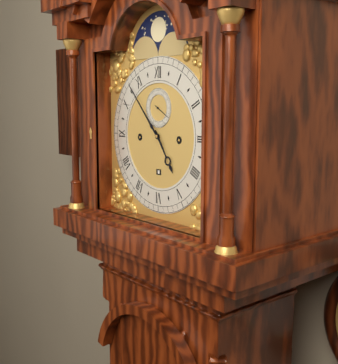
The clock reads 4.53
